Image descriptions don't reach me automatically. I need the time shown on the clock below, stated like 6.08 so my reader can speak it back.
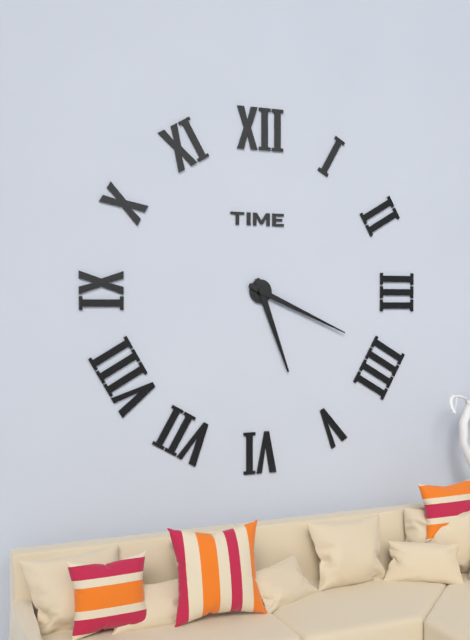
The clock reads 5.19
